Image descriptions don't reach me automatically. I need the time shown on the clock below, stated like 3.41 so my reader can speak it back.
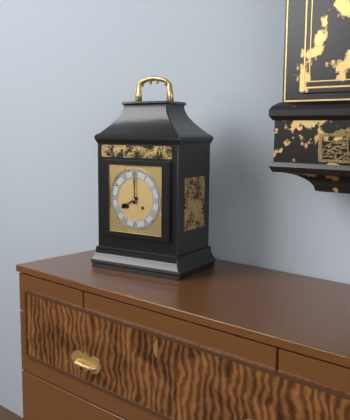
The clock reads 8.00
